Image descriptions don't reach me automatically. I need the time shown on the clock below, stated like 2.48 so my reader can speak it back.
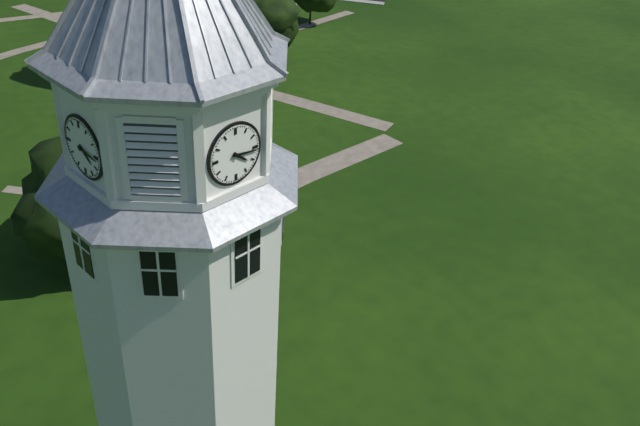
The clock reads 4.16
